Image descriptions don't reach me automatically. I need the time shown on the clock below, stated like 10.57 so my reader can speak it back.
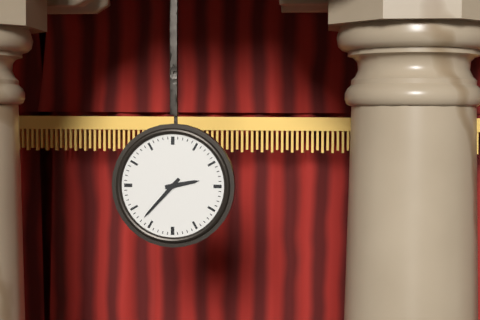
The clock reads 2.37
